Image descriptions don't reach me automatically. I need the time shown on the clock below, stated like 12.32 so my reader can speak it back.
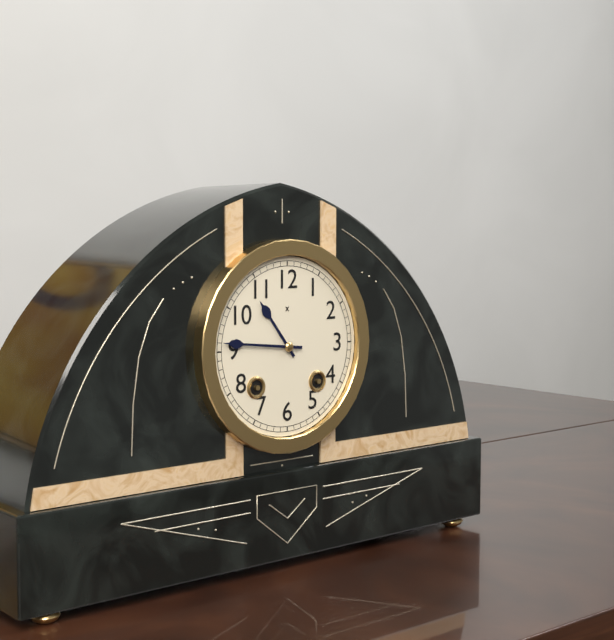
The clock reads 10.46
